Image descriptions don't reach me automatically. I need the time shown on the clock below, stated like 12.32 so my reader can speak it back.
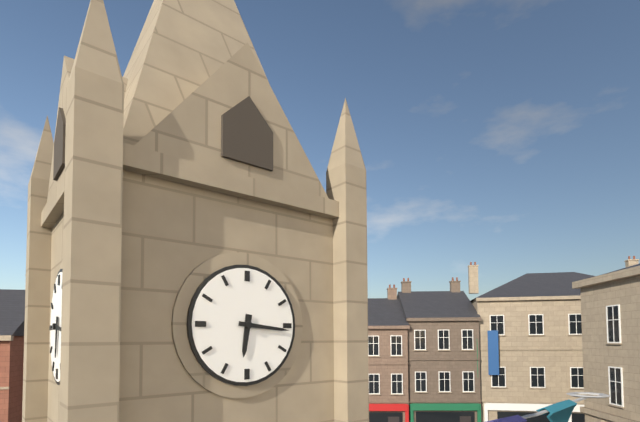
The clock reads 6.16
